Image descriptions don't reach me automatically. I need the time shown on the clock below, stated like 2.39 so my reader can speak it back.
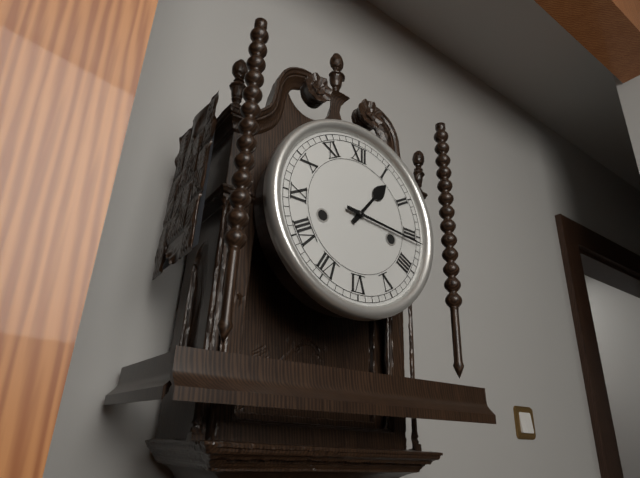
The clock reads 1.16
